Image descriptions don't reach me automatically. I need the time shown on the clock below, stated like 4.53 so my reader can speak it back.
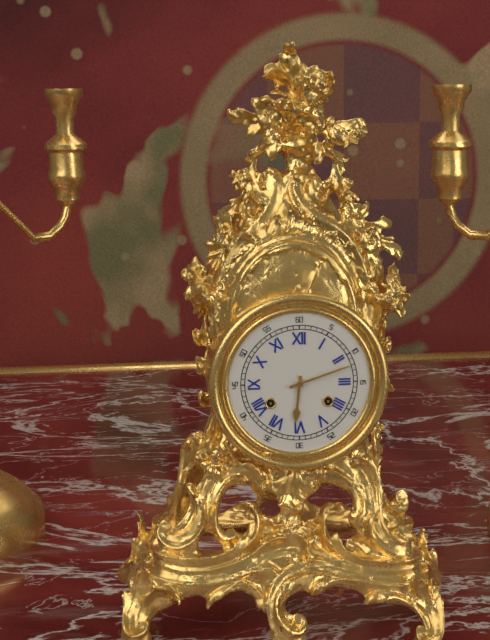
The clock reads 6.12
